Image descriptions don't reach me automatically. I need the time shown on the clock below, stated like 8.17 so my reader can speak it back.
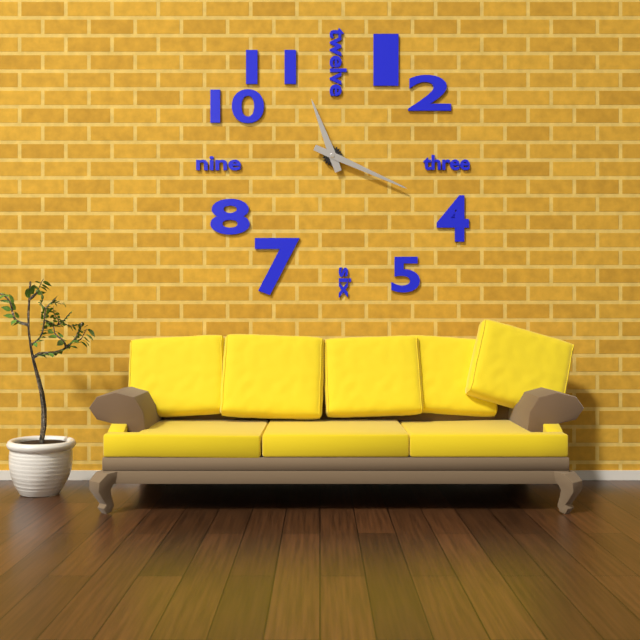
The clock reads 11.19
